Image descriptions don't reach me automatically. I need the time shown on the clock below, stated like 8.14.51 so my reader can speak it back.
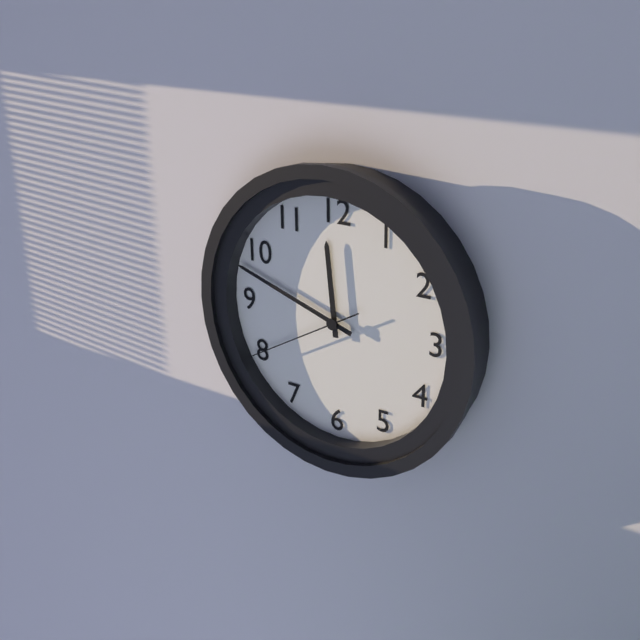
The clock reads 11.48.40
